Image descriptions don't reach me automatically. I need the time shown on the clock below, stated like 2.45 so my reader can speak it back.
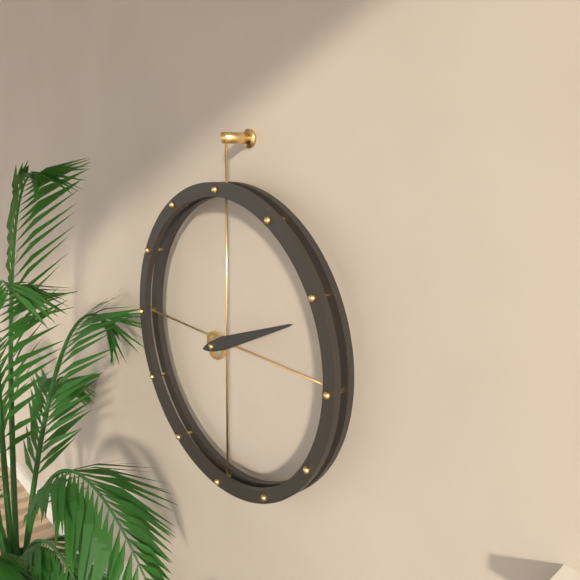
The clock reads 2.11
